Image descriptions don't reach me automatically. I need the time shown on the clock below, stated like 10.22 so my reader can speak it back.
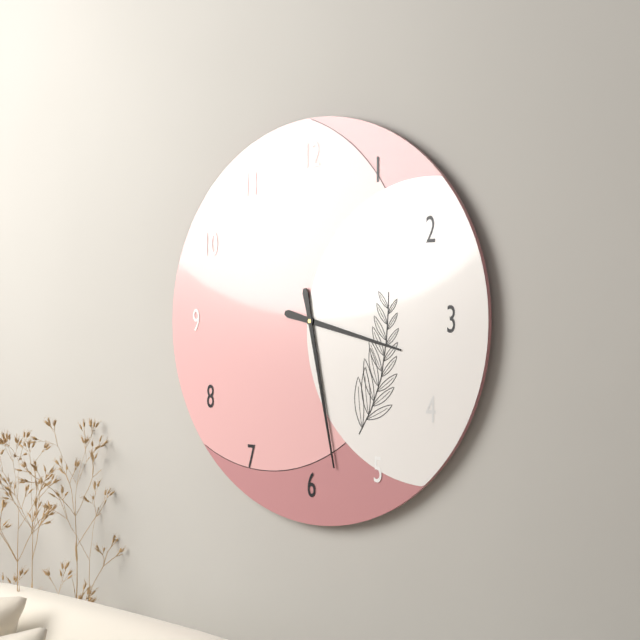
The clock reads 3.28
